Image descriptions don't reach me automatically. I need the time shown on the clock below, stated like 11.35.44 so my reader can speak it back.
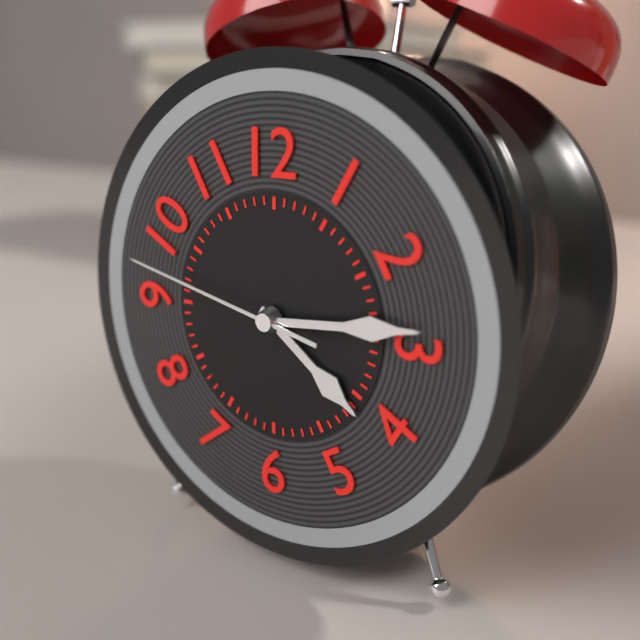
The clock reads 4.14.47
